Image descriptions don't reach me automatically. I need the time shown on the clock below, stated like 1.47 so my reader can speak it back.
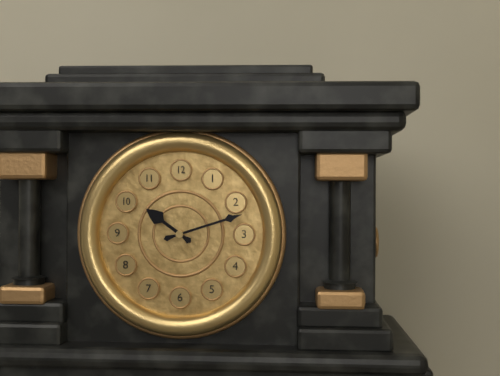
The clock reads 10.12
